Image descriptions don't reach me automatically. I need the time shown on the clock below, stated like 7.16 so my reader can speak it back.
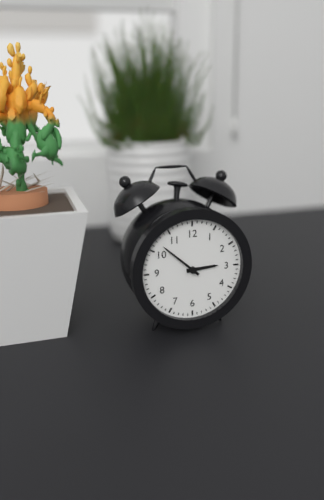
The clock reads 2.52
